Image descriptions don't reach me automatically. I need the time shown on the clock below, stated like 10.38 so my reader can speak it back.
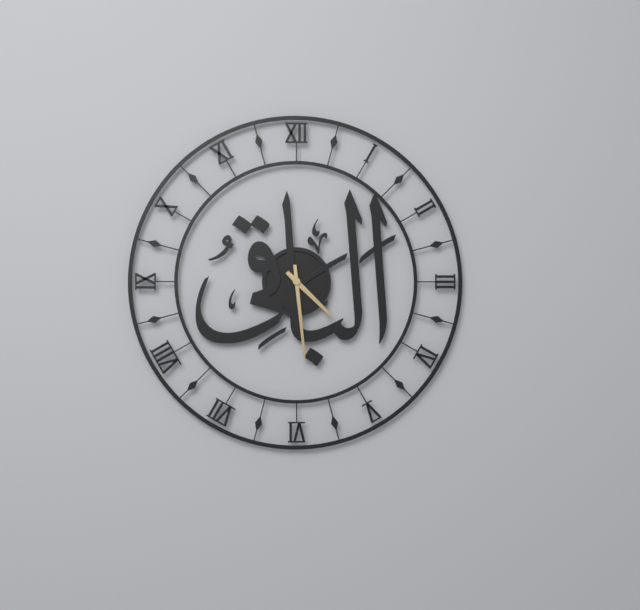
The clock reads 4.29
